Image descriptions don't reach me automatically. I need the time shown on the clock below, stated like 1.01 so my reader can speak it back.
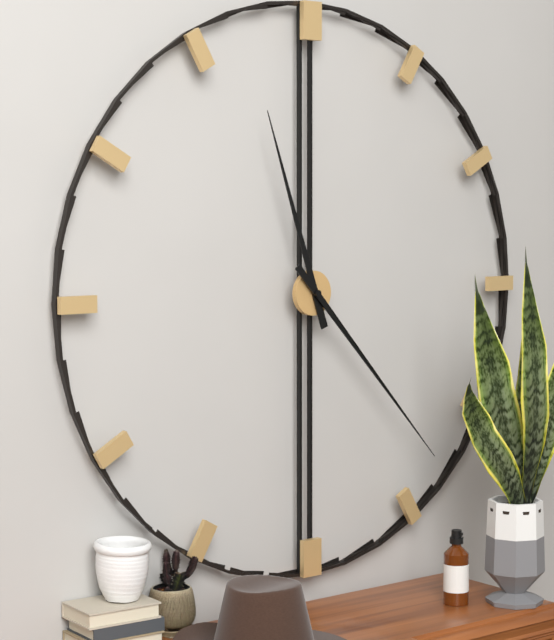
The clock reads 11.23
